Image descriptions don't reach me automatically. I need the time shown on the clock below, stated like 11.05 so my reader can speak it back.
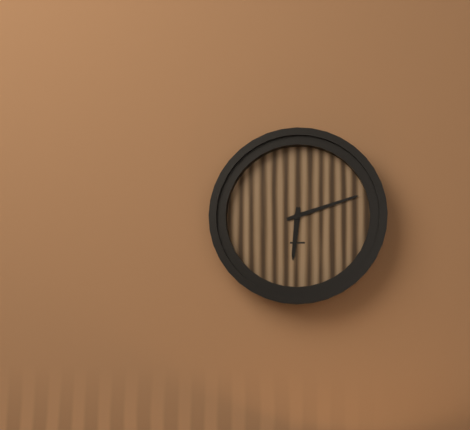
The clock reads 6.12
